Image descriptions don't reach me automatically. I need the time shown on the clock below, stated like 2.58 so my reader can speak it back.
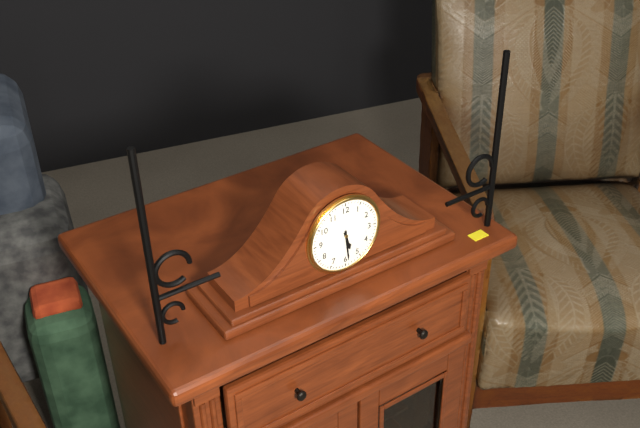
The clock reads 5.29
